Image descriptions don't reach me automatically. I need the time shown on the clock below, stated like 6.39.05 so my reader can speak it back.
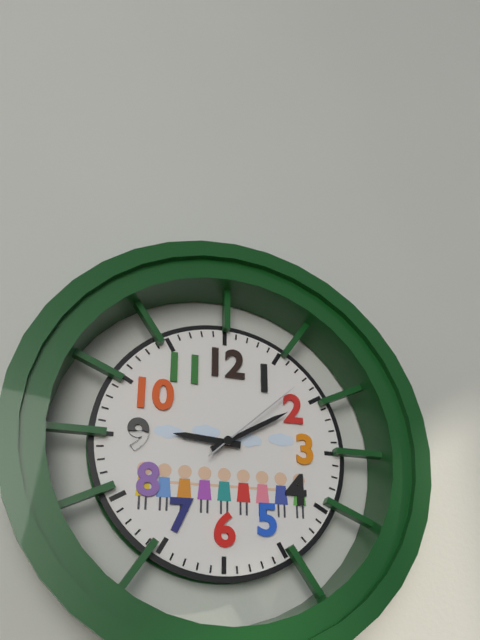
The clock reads 9.10.08
